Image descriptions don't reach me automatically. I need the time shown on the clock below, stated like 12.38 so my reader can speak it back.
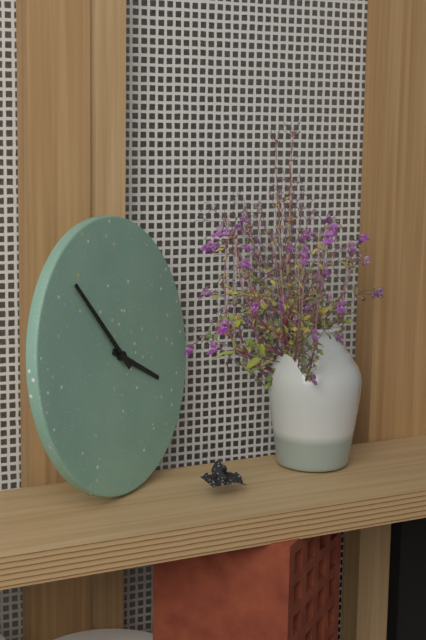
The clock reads 3.53
